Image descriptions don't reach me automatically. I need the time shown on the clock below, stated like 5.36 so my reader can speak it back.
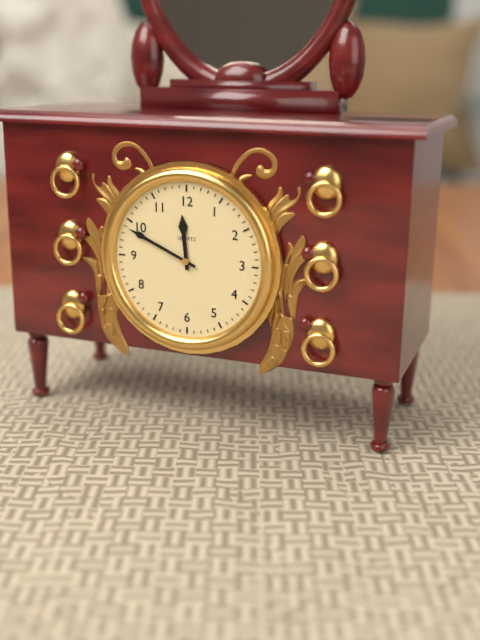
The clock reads 11.49
